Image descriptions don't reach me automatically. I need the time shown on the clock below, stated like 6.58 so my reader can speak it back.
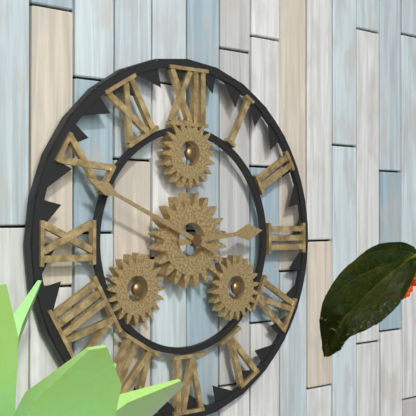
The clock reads 2.49
